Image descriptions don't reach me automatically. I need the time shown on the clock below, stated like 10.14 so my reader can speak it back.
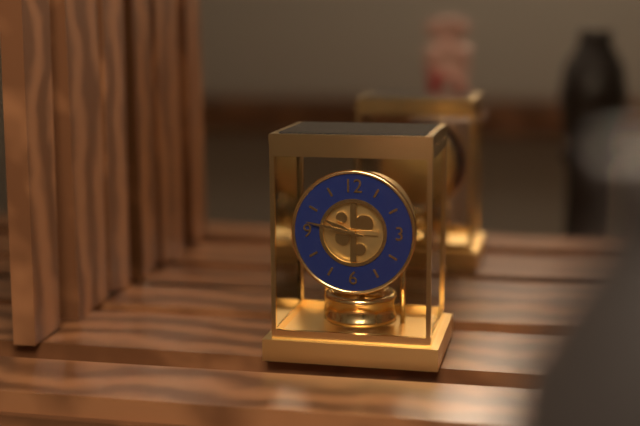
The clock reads 9.47
